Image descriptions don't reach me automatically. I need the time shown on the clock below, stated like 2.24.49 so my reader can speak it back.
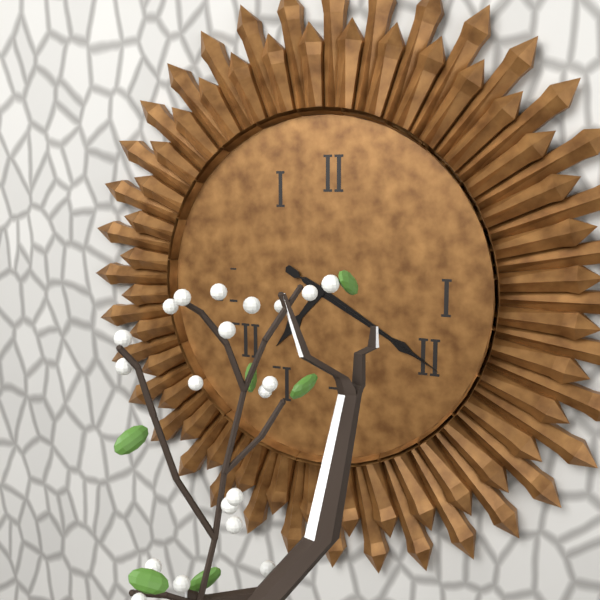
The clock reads 7.20.20
